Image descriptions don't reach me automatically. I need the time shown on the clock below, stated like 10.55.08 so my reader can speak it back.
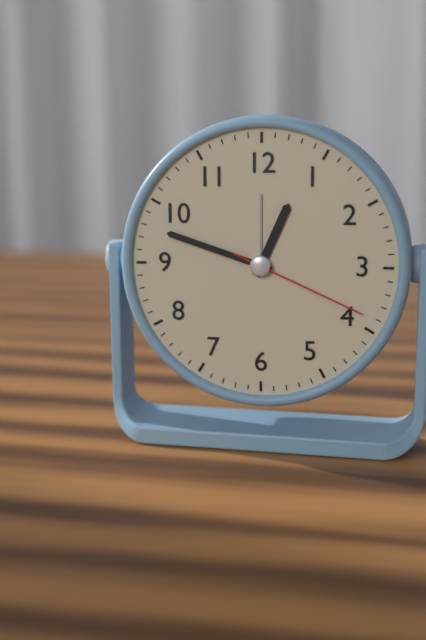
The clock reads 12.48.19
